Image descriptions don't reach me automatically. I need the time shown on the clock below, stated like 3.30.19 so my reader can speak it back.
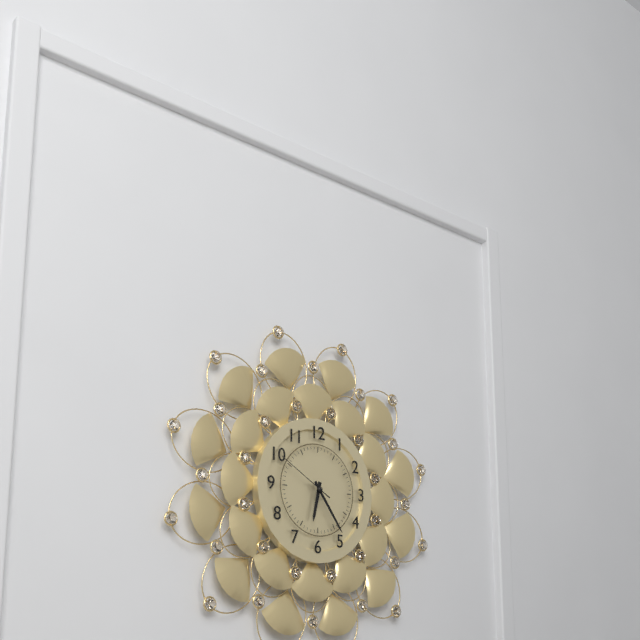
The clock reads 6.24.50
